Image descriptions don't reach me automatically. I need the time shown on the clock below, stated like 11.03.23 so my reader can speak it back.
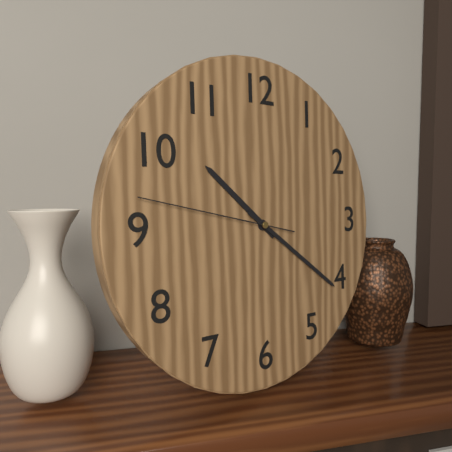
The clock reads 10.21.47
